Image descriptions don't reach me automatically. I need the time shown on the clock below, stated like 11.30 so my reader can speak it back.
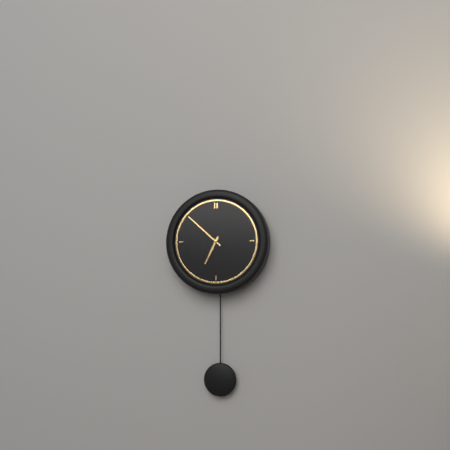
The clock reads 6.52
